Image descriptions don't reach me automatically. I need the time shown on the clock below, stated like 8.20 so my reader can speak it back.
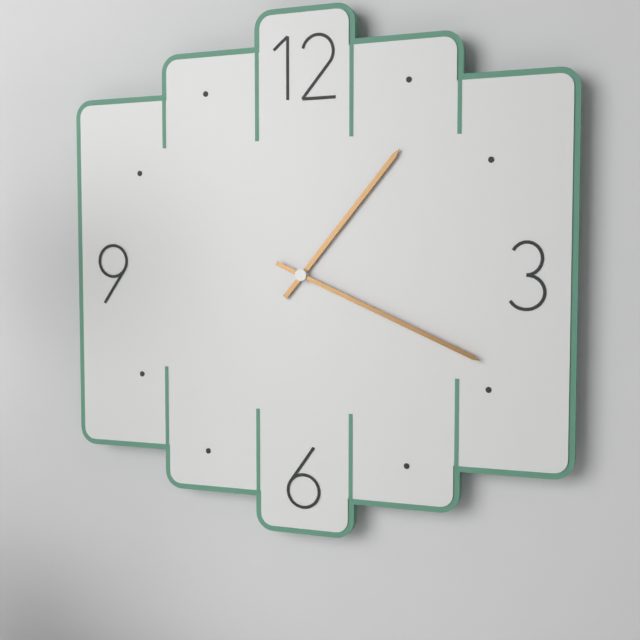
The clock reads 1.19
